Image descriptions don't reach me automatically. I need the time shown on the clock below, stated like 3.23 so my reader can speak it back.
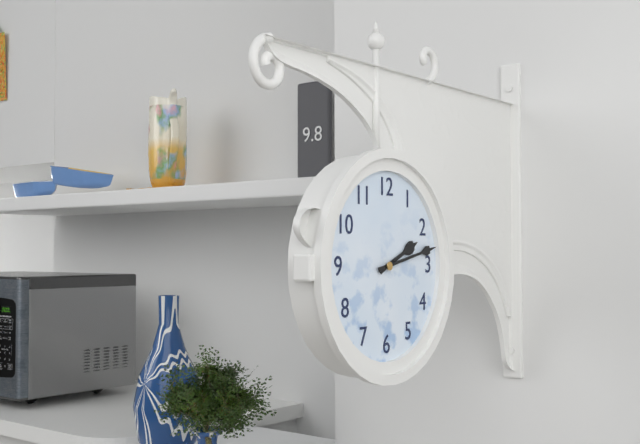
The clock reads 2.13
